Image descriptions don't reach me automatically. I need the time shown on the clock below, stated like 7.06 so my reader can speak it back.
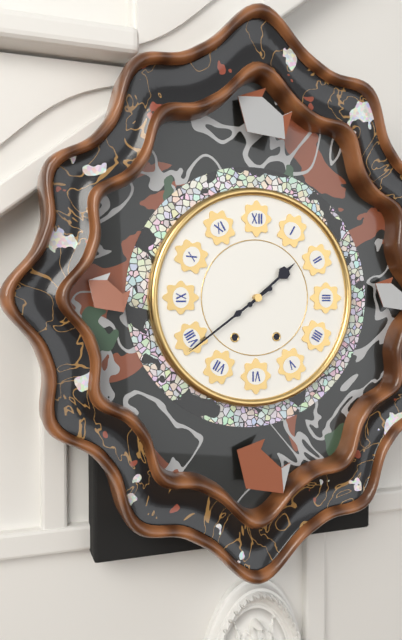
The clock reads 1.39
